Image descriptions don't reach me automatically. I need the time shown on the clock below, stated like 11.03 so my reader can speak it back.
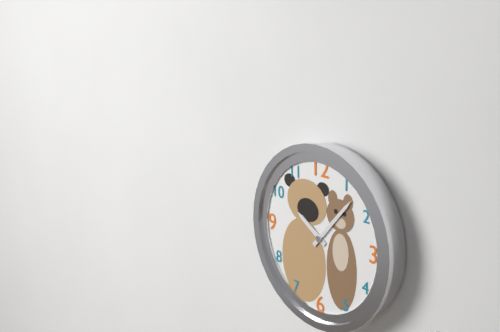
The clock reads 10.07
